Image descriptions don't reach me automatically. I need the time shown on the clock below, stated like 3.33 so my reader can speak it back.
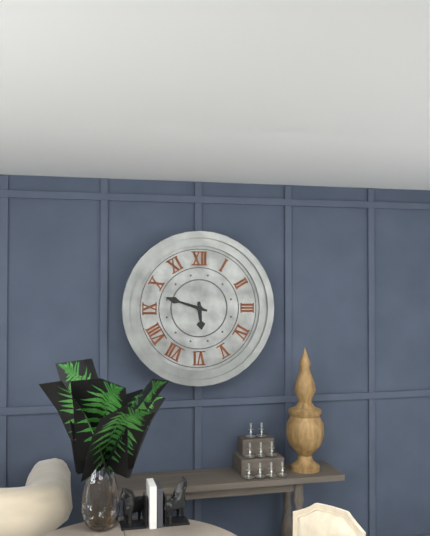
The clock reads 5.48
